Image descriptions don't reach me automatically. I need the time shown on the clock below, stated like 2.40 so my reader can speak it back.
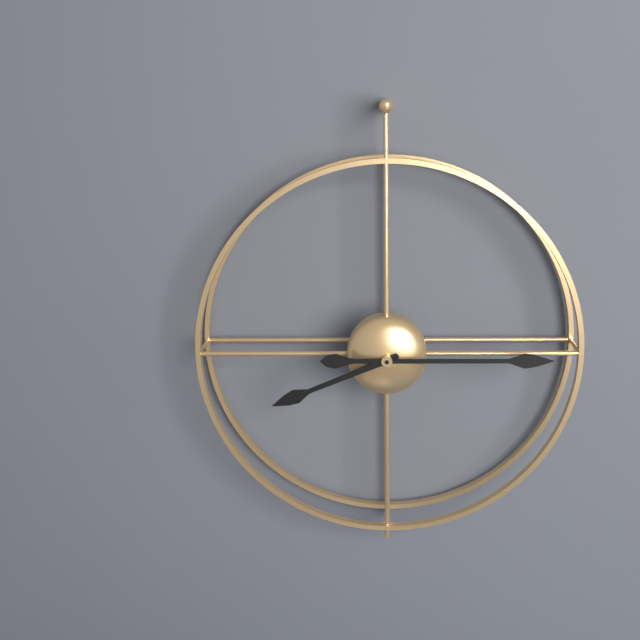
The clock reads 8.15
